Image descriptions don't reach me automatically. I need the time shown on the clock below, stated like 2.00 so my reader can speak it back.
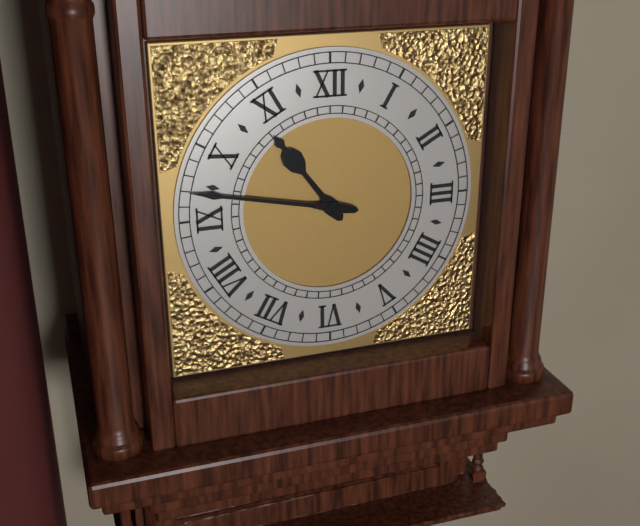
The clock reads 10.47
